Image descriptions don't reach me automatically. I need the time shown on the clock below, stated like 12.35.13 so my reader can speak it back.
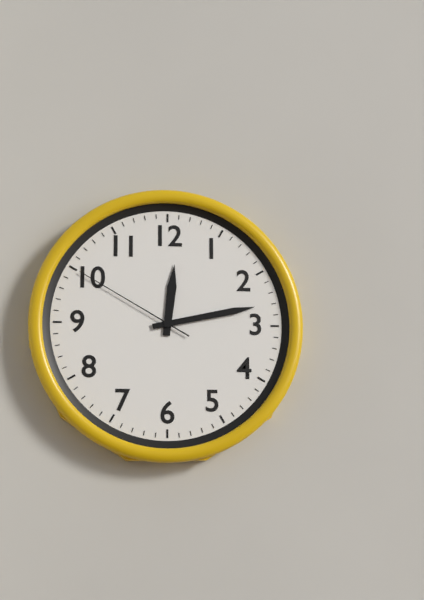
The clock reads 12.13.50
